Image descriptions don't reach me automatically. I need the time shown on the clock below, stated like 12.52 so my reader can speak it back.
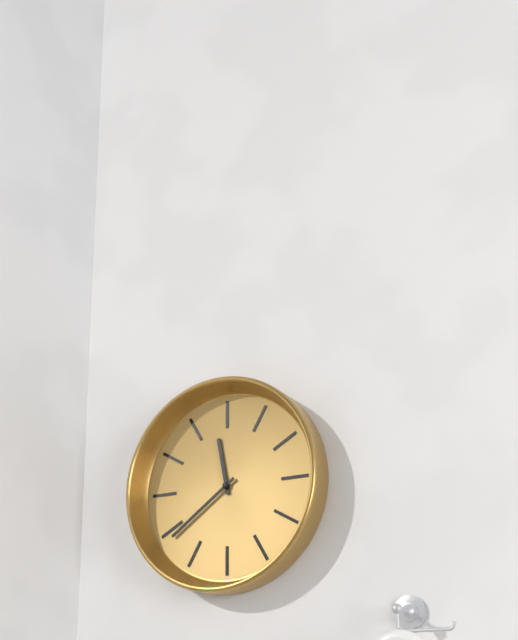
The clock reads 11.39
